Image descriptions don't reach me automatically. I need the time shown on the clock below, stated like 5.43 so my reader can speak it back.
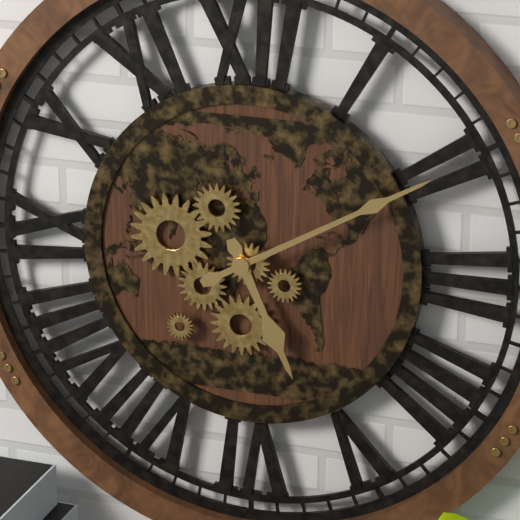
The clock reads 5.10
